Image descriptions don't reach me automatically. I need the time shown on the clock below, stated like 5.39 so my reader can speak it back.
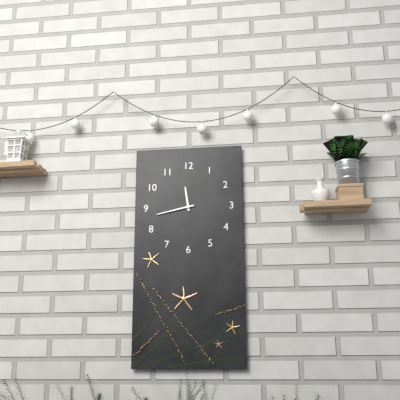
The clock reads 11.43
